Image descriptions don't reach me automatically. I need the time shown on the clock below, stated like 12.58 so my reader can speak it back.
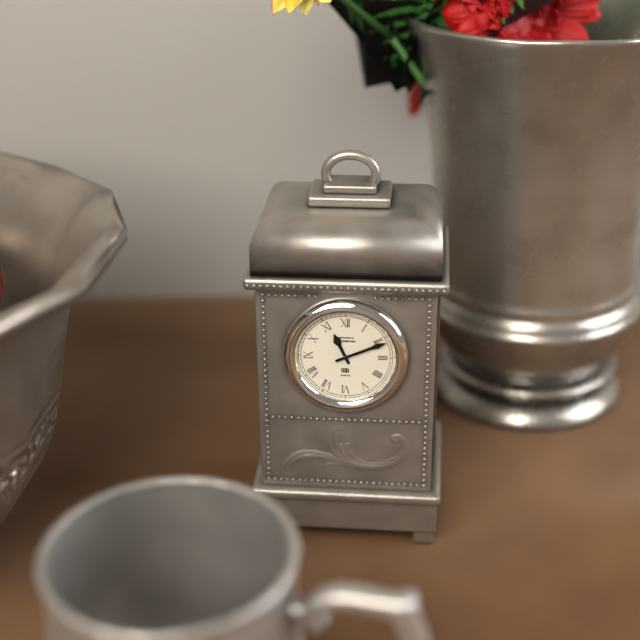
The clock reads 11.11
